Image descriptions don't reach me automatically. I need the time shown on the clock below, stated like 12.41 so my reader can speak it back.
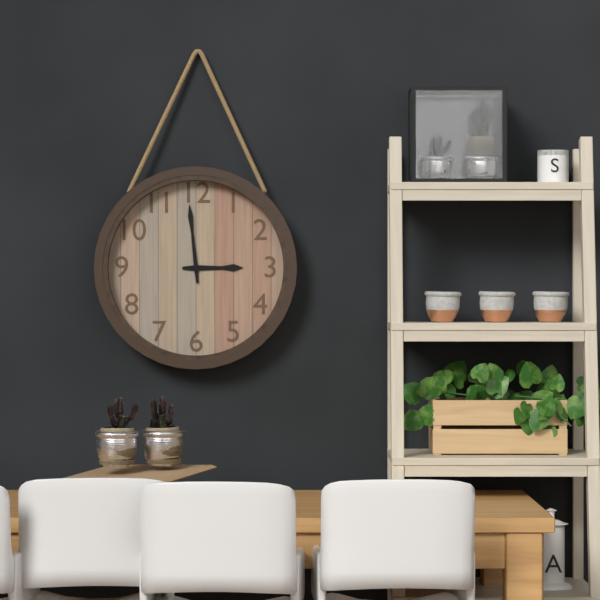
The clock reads 2.59
